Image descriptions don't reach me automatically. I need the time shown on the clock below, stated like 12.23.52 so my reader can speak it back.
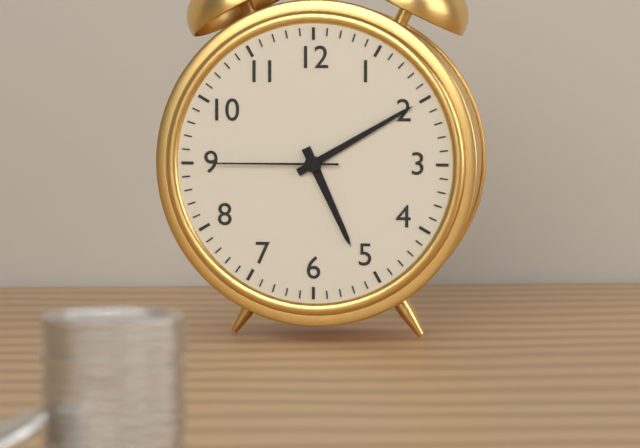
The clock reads 5.10.45
